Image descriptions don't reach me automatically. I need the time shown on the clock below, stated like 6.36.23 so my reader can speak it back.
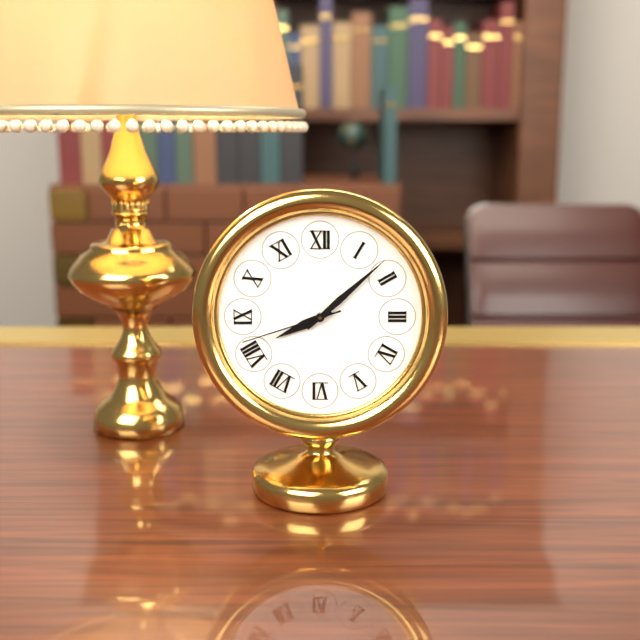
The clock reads 8.08.42
